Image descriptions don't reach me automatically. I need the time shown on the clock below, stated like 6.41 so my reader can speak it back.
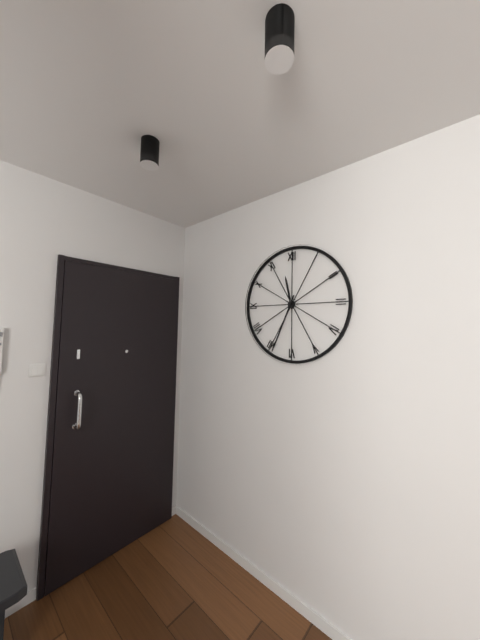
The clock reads 11.34
